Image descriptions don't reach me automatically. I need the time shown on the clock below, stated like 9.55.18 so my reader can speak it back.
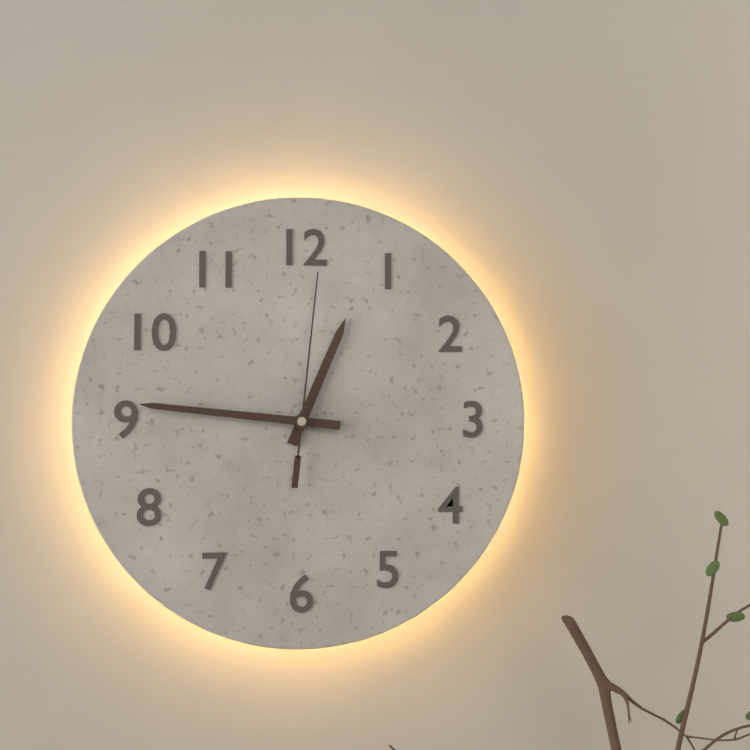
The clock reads 12.46.01
